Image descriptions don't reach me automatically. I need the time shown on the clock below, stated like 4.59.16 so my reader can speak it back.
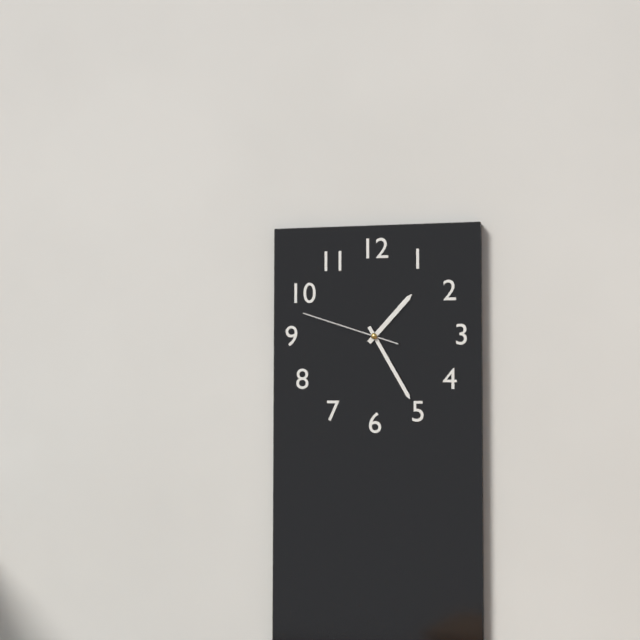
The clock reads 1.25.48
